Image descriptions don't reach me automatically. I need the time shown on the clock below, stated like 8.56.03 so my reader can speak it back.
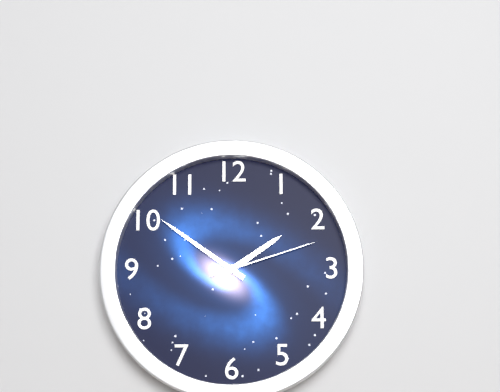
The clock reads 1.51.12
